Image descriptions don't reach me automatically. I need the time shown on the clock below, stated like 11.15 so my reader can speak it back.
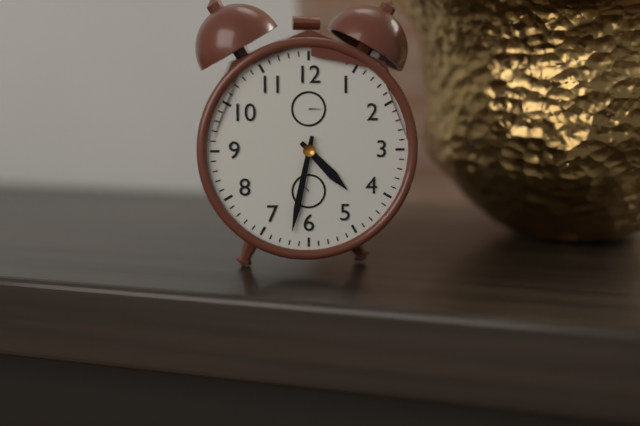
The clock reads 4.32
